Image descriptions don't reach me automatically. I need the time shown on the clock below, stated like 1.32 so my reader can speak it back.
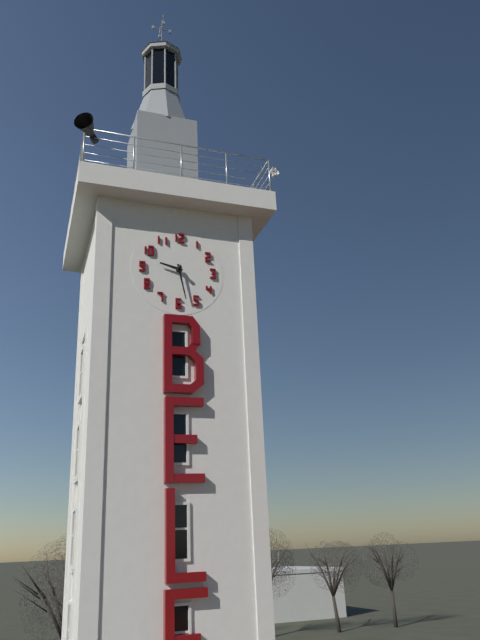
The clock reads 9.28
